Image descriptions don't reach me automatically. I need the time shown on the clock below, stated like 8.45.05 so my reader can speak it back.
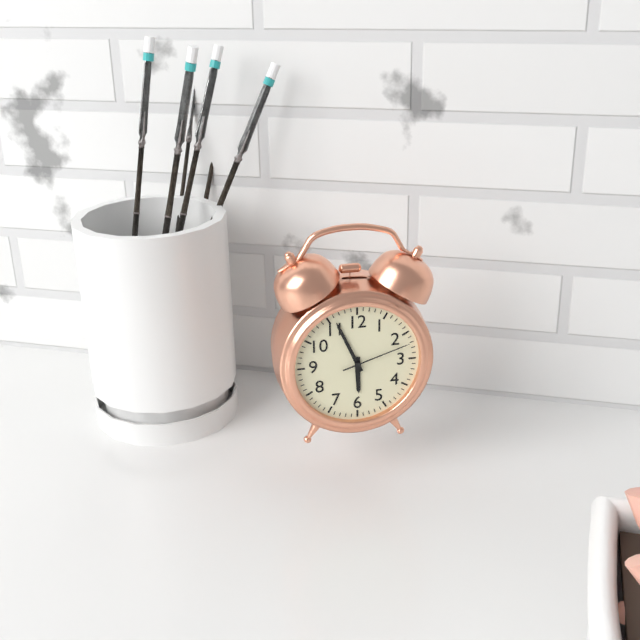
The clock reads 5.56.12
